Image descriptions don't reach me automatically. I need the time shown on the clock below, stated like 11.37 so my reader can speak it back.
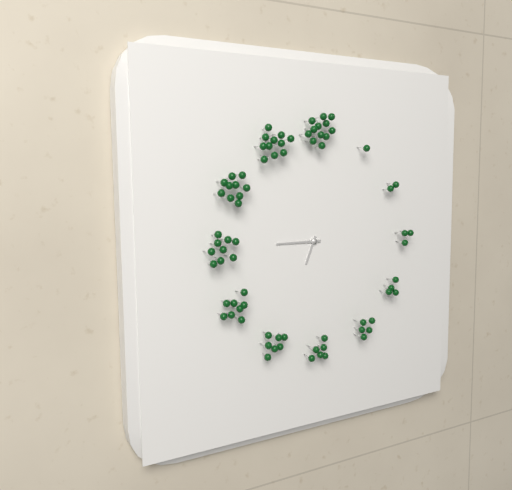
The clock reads 6.45
